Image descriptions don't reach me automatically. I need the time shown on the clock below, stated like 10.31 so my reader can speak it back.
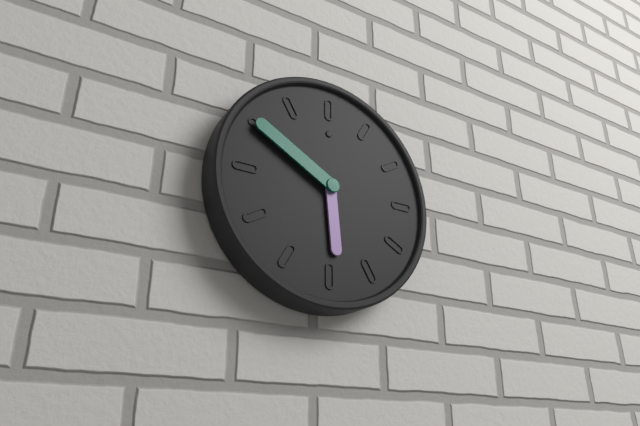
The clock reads 5.50
